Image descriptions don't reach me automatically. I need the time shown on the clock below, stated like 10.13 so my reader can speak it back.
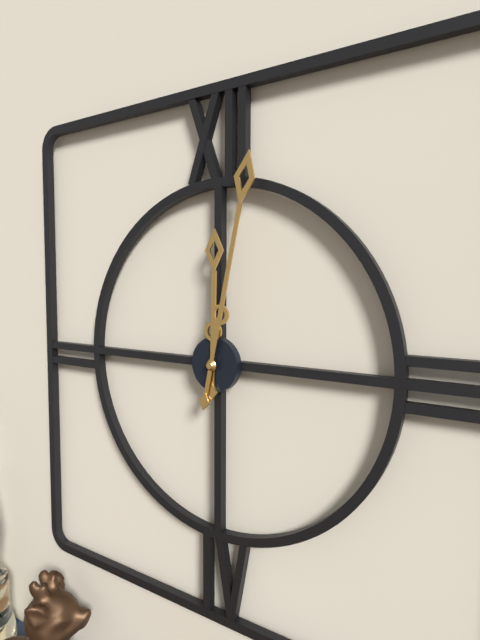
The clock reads 12.02
